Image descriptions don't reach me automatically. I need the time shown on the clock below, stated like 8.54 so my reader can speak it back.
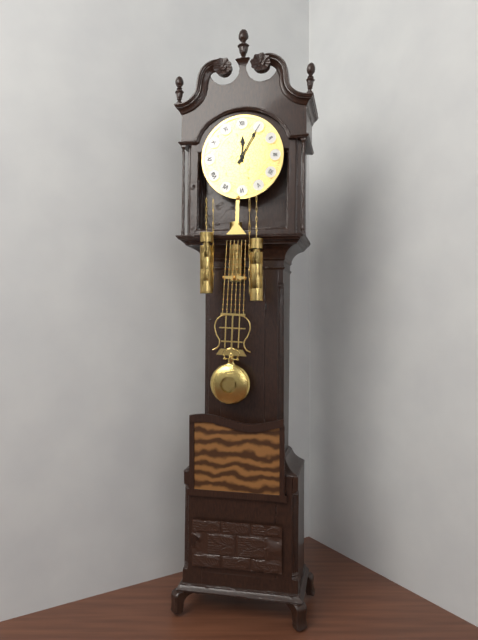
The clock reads 12.05
